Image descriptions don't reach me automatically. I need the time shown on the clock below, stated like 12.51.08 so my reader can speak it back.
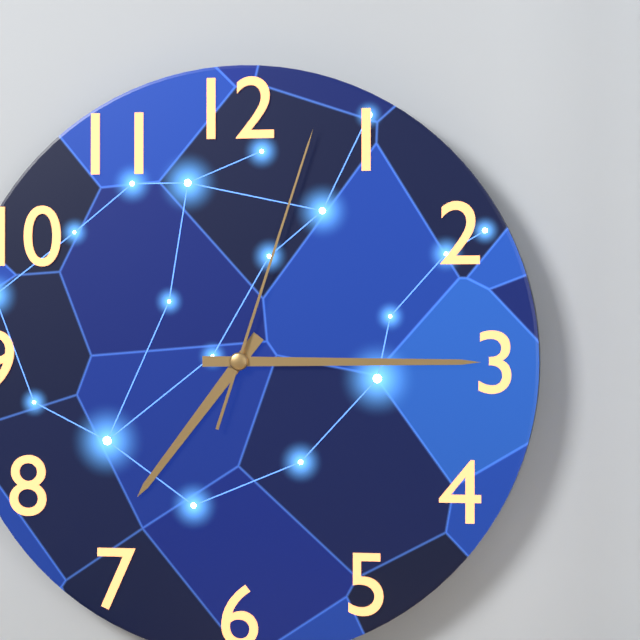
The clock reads 7.15.03
